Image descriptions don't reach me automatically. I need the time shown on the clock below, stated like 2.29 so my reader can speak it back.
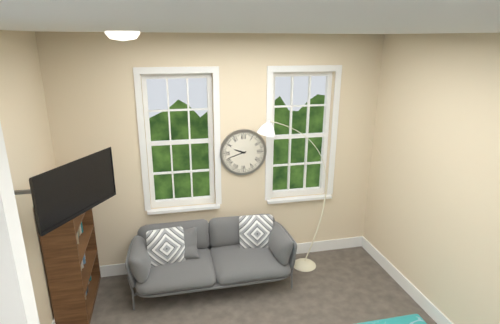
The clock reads 9.42
